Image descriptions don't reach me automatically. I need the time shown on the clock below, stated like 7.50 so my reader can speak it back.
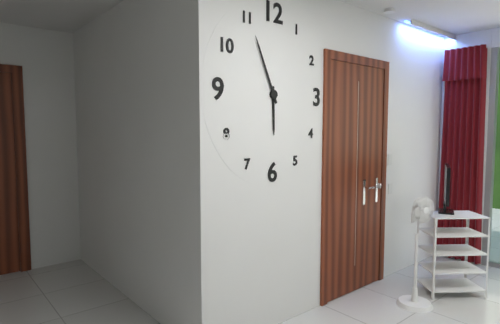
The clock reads 5.56
